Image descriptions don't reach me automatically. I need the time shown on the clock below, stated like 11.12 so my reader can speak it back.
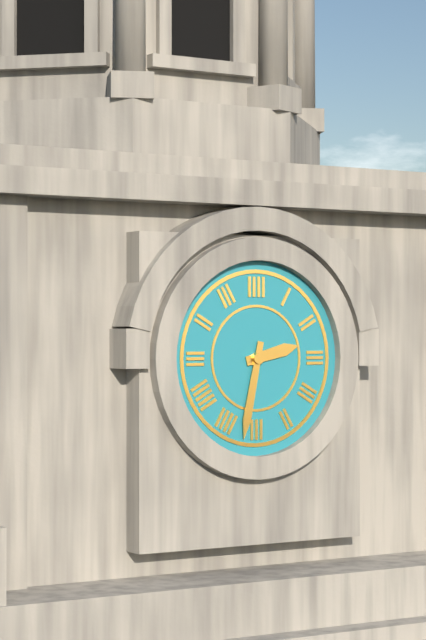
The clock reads 2.32
